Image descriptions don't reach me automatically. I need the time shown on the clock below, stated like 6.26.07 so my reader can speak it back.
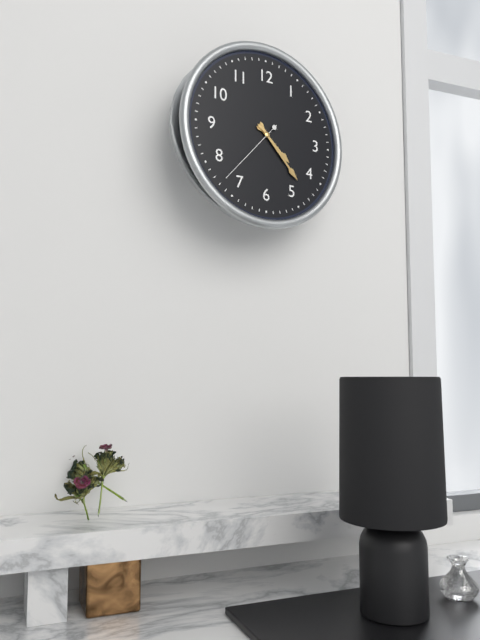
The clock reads 4.23.37
